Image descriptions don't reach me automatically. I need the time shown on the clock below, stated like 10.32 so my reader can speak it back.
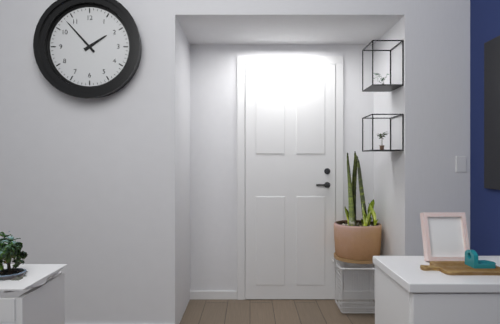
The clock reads 1.53
